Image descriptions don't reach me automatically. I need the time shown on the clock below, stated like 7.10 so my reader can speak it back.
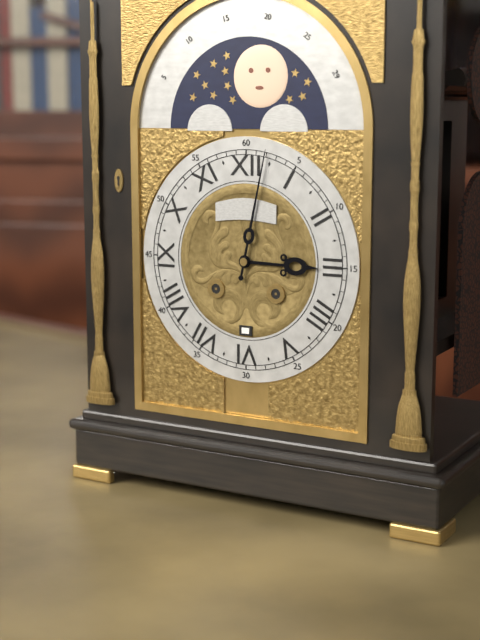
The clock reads 3.02
